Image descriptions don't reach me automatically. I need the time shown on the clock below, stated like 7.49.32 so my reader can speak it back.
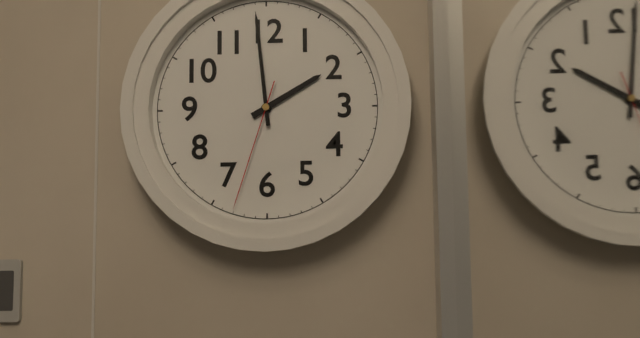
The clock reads 1.59.33
